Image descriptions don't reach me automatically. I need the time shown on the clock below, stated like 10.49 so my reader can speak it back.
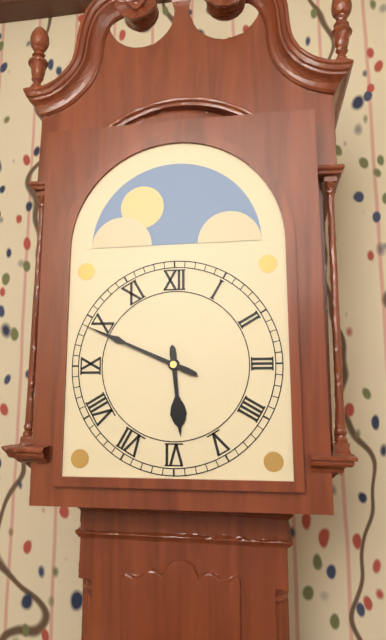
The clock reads 5.49
